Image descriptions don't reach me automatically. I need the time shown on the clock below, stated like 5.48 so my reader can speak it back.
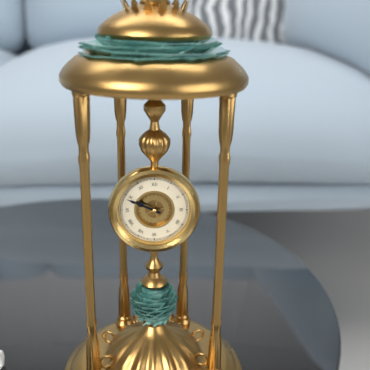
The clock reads 9.49
